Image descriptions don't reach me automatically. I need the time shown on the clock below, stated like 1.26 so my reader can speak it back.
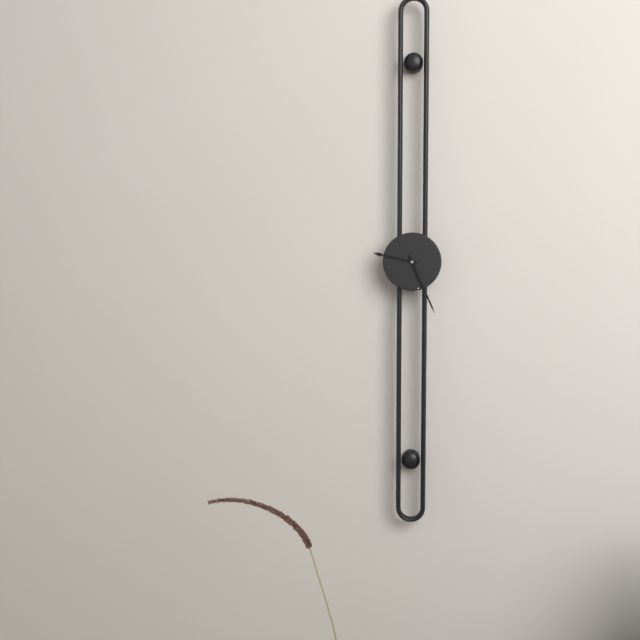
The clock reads 9.26
